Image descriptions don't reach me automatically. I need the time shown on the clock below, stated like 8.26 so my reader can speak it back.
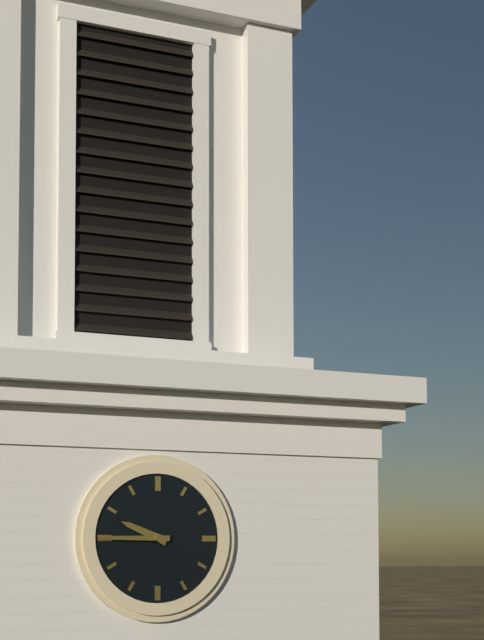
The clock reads 9.45
